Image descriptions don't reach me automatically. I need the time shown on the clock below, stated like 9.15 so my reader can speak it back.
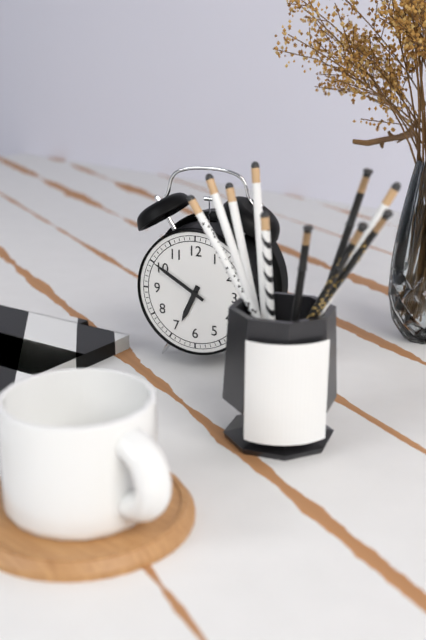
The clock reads 6.50
